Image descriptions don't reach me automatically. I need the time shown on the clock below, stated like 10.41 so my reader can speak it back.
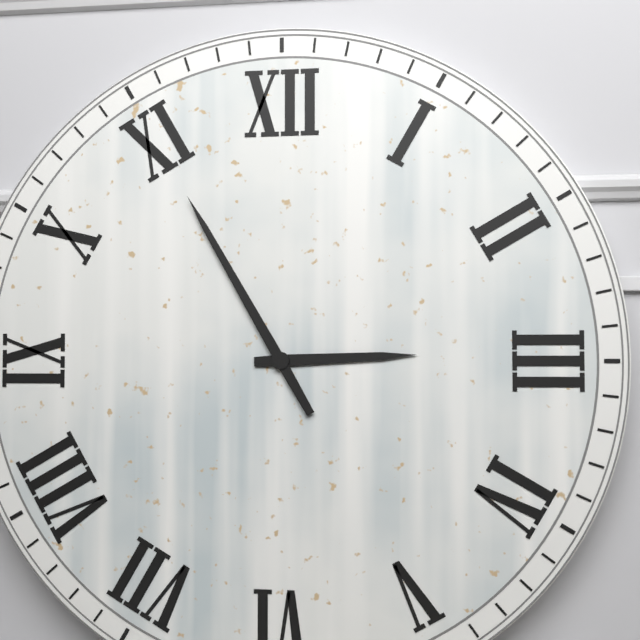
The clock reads 2.55
